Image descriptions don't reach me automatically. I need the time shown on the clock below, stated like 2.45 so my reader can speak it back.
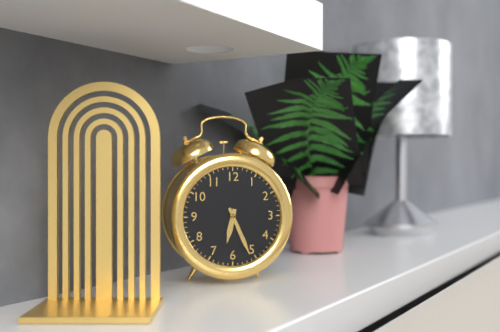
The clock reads 6.26
